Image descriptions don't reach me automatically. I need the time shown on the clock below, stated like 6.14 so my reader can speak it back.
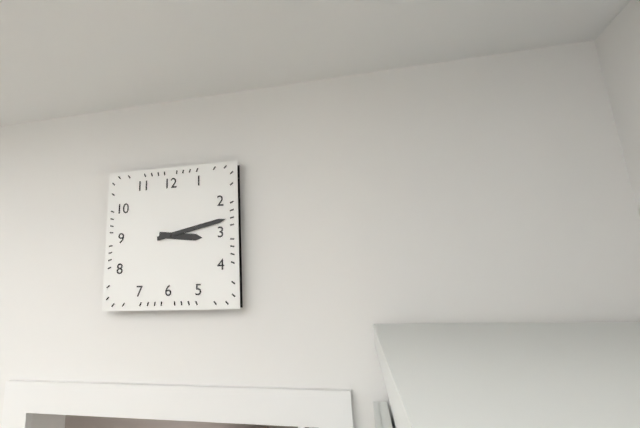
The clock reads 3.13
